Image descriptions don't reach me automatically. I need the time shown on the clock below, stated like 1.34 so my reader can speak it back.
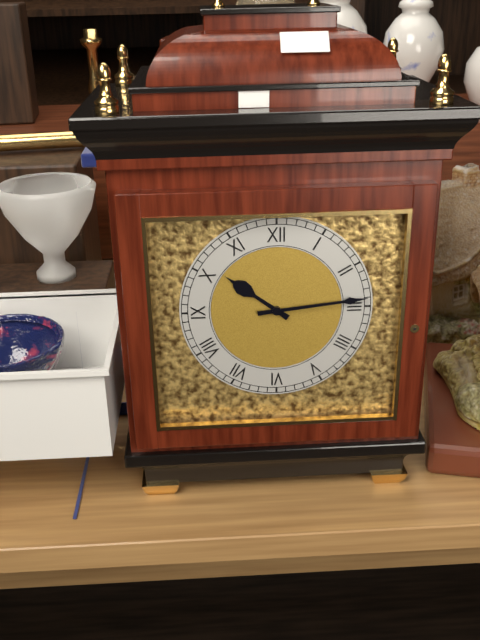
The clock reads 10.14
